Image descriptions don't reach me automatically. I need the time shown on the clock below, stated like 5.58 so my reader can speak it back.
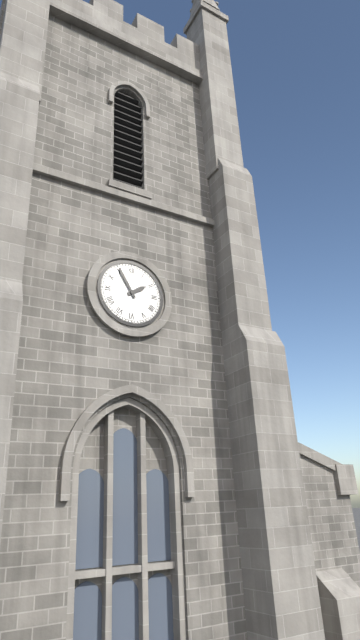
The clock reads 1.55
